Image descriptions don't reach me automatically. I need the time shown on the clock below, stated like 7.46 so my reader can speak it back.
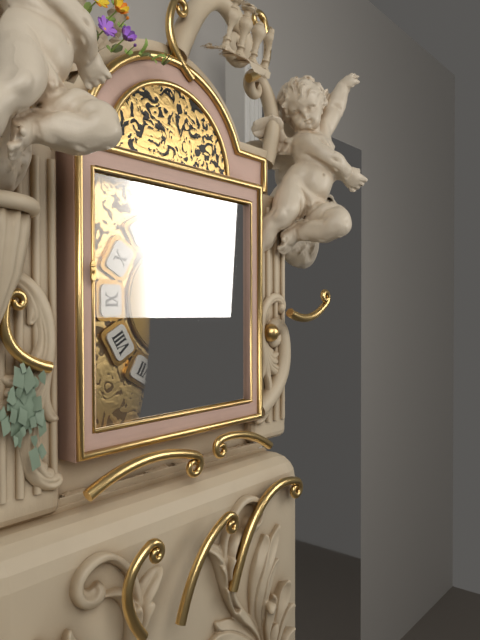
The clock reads 12.16
